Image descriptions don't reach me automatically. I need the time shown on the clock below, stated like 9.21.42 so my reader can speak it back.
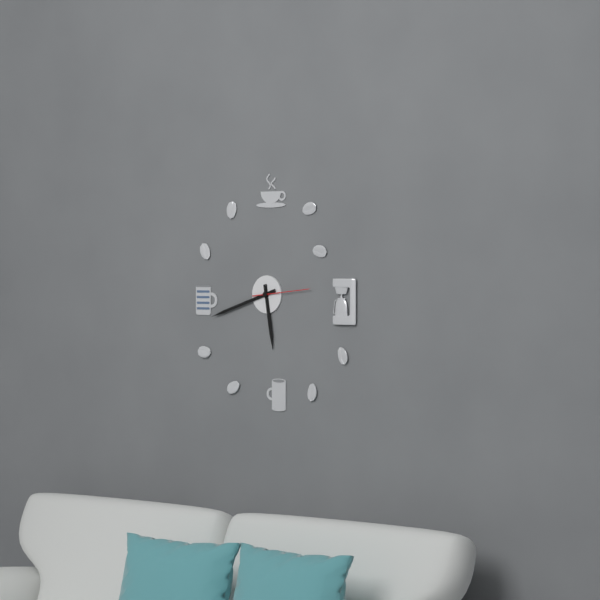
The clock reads 5.42.14
